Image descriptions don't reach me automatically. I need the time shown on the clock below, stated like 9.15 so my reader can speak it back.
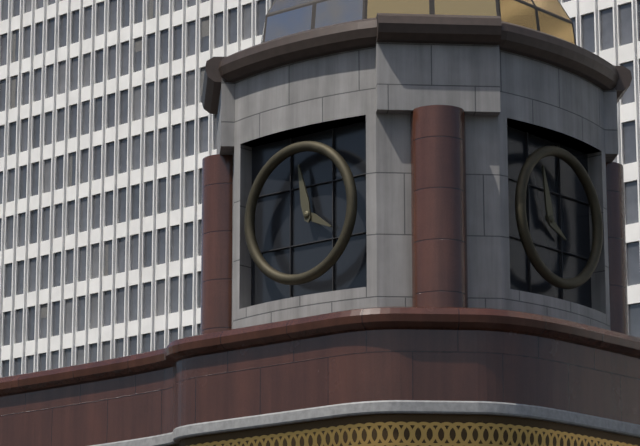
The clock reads 3.58
